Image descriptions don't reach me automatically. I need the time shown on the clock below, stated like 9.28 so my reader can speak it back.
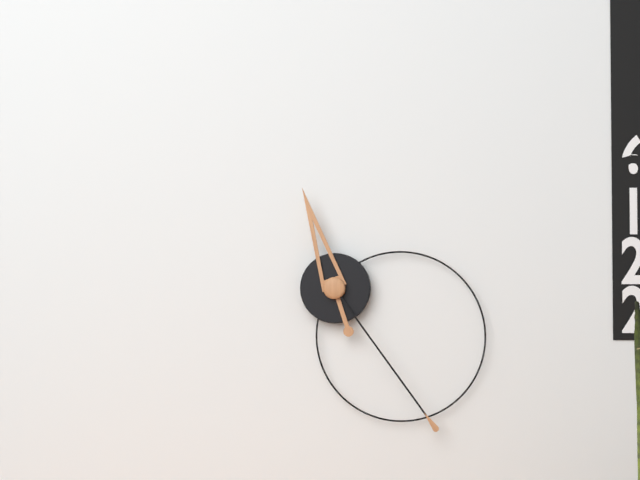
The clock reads 11.24
